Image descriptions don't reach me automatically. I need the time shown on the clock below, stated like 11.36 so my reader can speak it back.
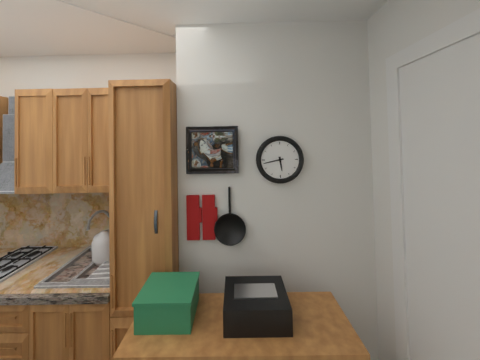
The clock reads 5.43
